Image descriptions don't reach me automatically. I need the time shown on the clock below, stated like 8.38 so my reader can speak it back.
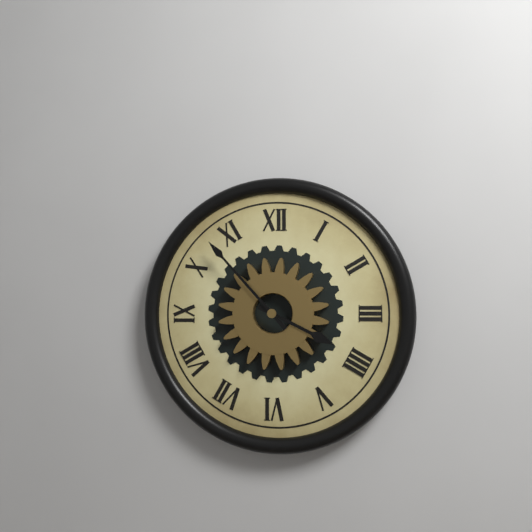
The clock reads 3.53
